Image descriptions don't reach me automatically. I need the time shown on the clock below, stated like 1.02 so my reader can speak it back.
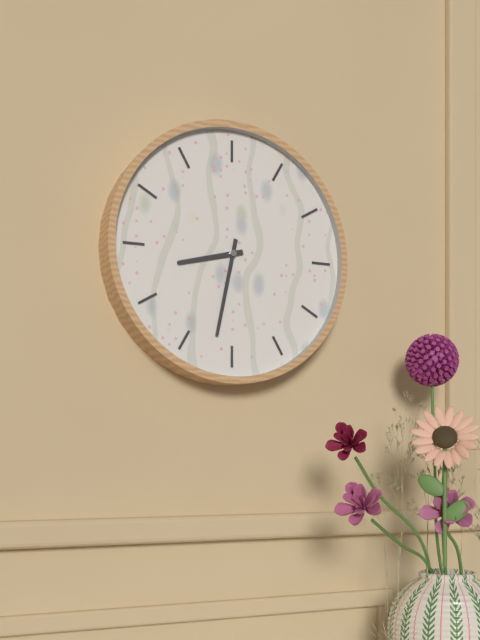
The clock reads 8.32
